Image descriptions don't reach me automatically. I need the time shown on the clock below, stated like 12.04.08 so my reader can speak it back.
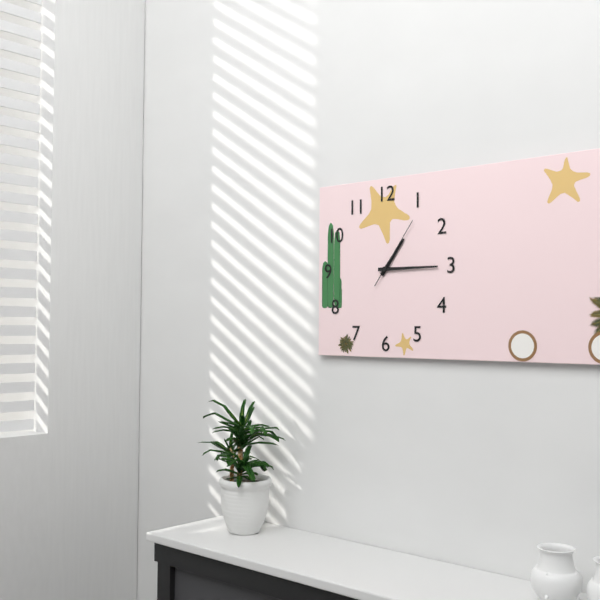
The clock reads 1.15.06
